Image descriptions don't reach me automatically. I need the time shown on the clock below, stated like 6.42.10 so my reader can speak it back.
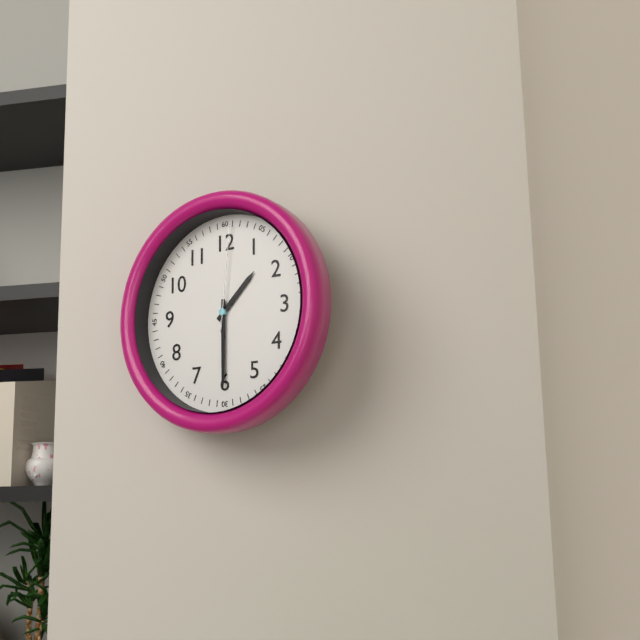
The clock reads 1.30.01
